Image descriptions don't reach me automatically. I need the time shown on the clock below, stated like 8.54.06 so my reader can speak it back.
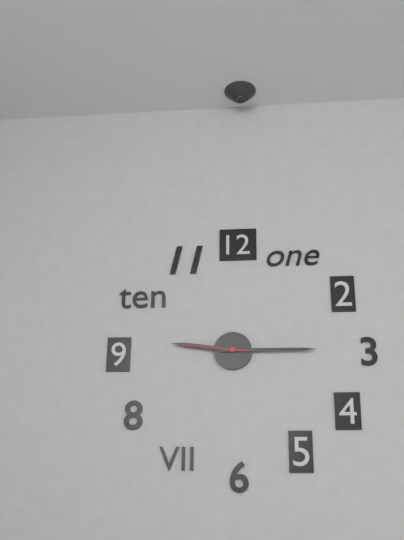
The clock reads 9.15.46
